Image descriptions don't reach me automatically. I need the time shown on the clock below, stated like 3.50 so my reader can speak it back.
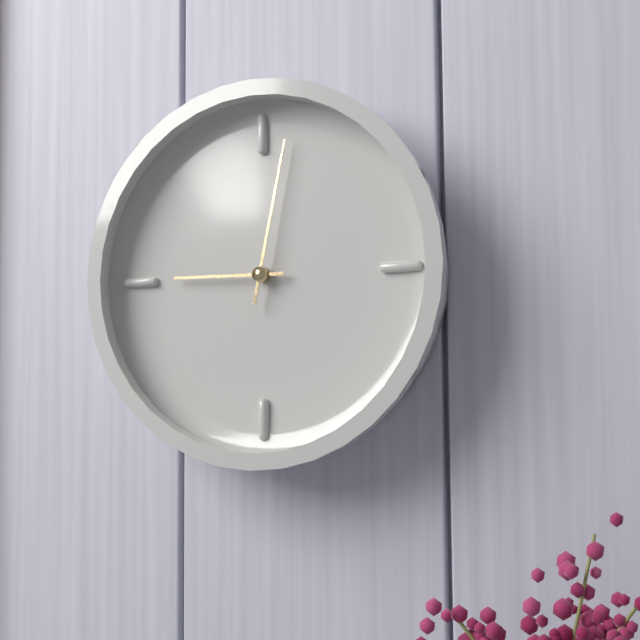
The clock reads 9.02
